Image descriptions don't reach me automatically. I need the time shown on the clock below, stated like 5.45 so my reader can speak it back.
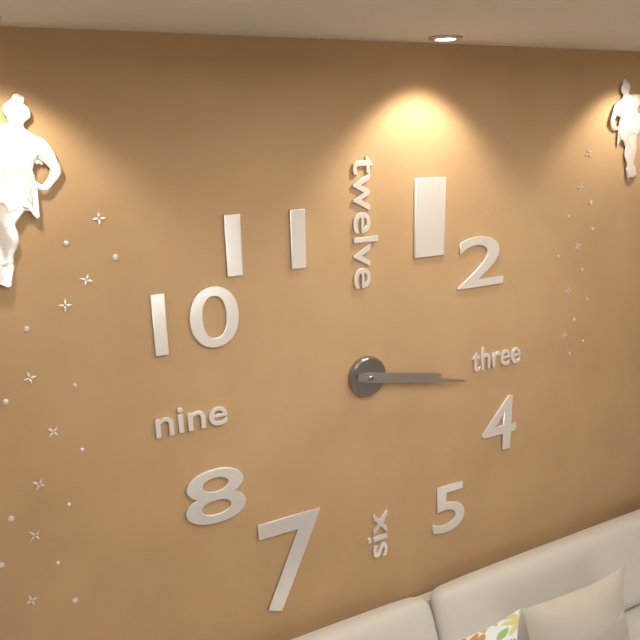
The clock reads 3.17
